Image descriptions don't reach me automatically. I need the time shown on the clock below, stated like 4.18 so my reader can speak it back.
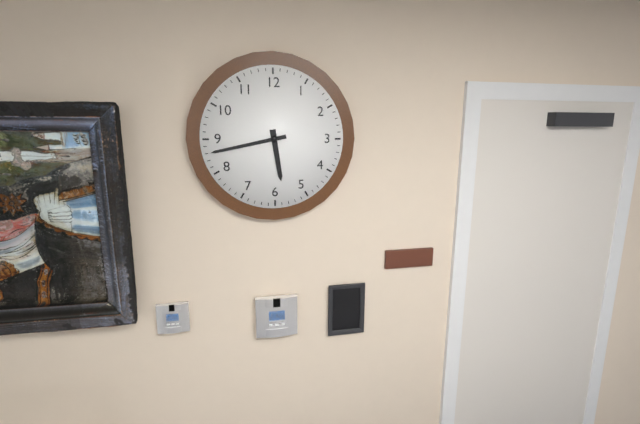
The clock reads 5.43
